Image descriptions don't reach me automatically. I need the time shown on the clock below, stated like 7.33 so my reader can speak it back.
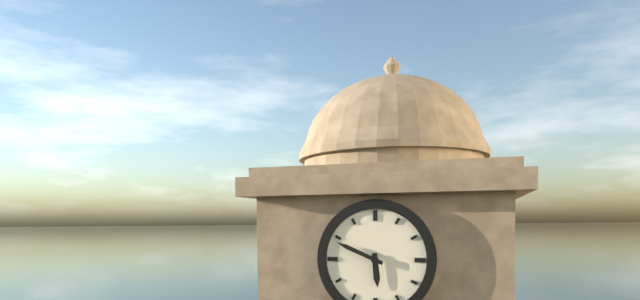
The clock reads 5.49
